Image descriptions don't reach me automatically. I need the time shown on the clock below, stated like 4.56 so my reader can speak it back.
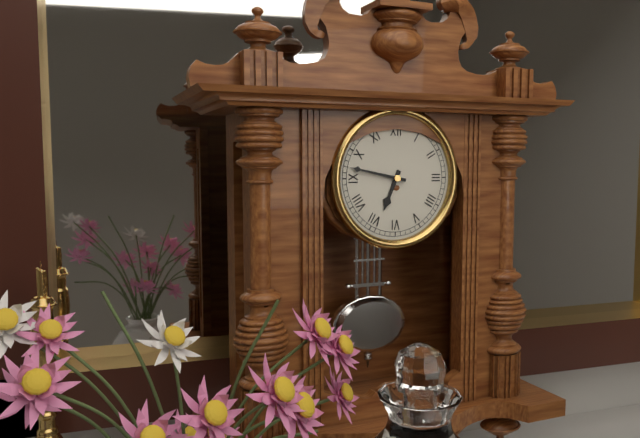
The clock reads 6.47
